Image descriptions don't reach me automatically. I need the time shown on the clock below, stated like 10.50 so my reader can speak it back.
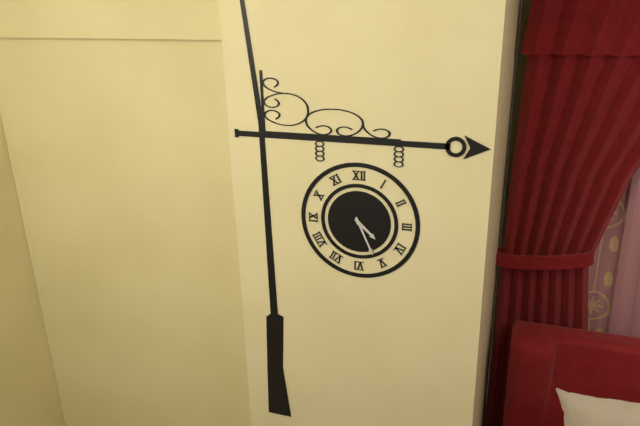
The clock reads 4.26
